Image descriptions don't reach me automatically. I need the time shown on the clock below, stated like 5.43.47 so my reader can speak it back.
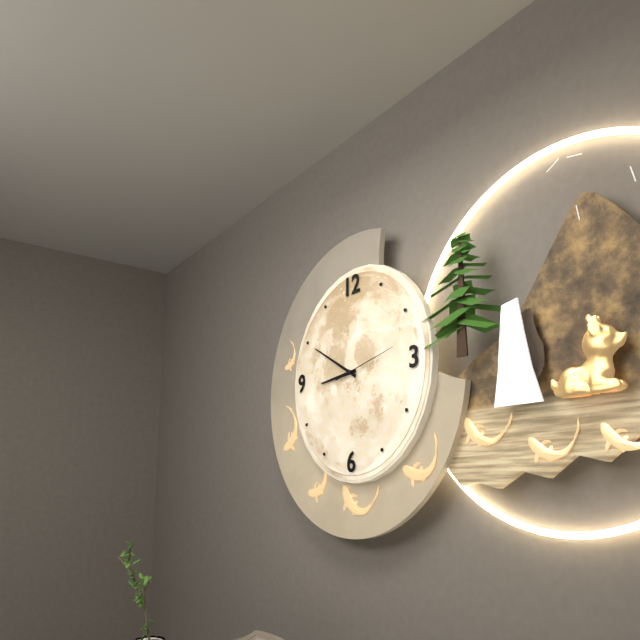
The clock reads 8.50.13
